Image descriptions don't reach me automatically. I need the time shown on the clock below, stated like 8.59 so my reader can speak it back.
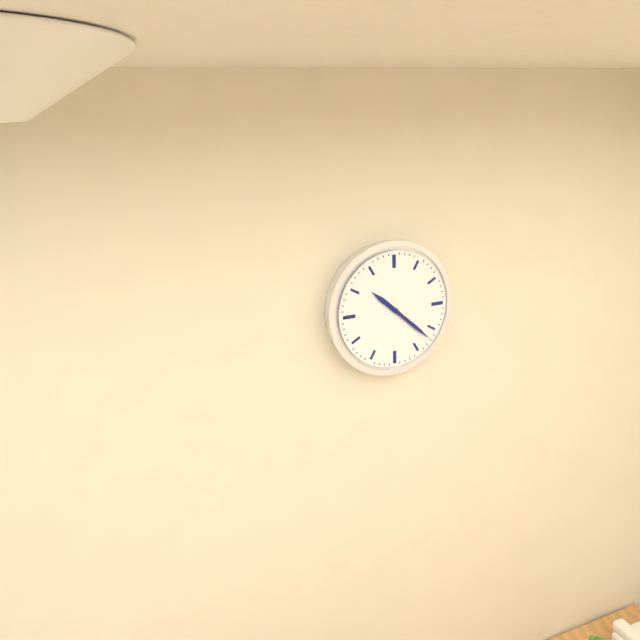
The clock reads 10.22
